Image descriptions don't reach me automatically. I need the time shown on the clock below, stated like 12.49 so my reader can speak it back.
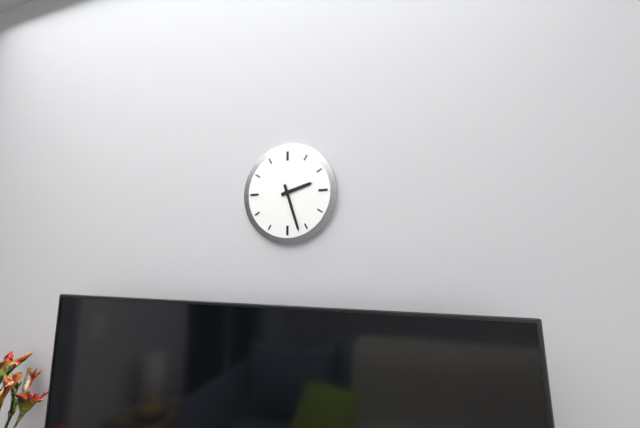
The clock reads 2.27
